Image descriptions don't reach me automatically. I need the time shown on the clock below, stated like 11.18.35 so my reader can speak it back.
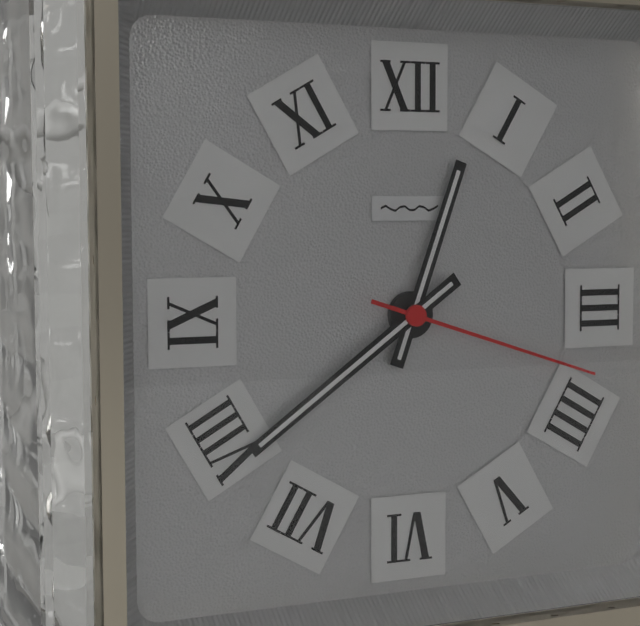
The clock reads 12.39.18
